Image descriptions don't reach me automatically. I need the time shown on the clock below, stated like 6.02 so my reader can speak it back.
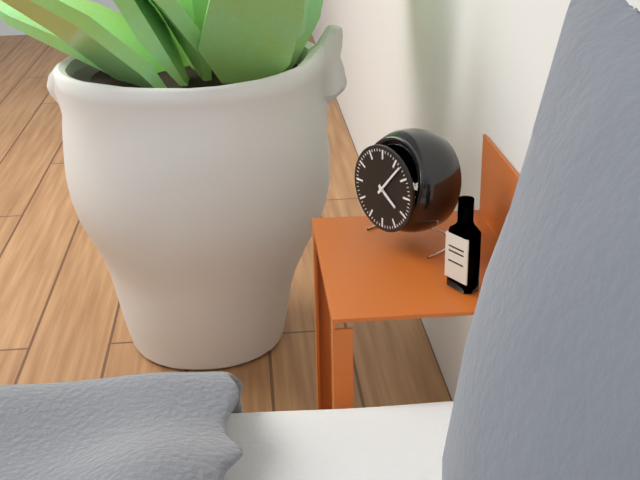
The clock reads 4.07
